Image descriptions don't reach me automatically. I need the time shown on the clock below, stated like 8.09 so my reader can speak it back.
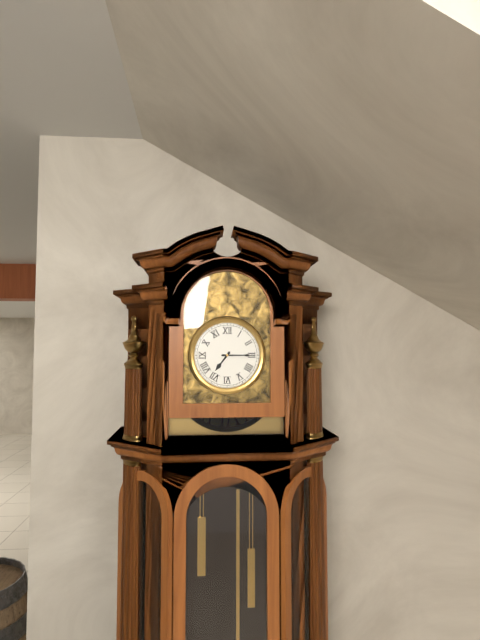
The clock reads 7.15
